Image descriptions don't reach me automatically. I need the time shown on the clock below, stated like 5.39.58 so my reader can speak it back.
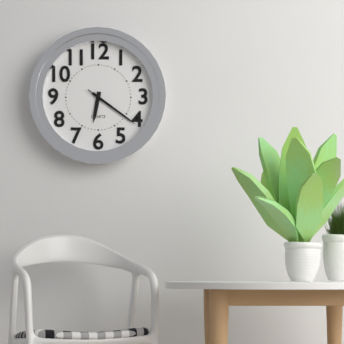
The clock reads 6.21.21
